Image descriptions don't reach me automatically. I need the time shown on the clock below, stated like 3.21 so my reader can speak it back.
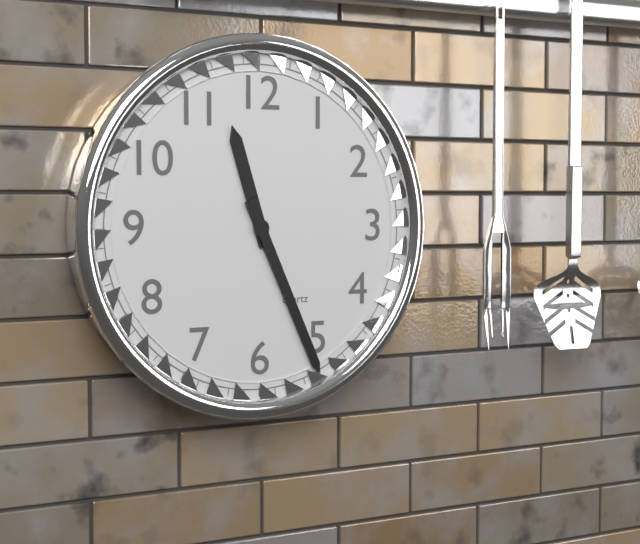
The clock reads 11.26
